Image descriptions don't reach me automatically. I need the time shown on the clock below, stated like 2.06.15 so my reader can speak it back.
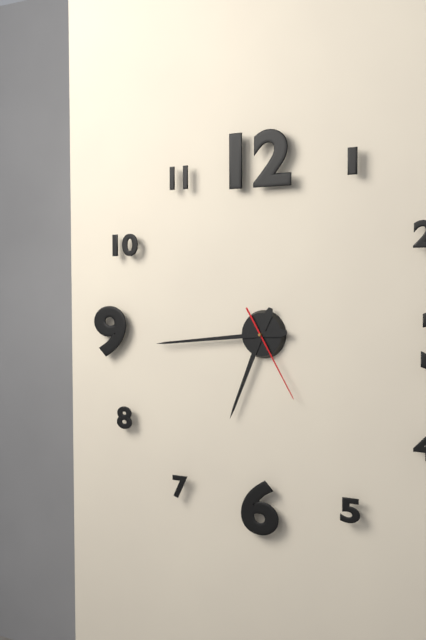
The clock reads 6.44.25
